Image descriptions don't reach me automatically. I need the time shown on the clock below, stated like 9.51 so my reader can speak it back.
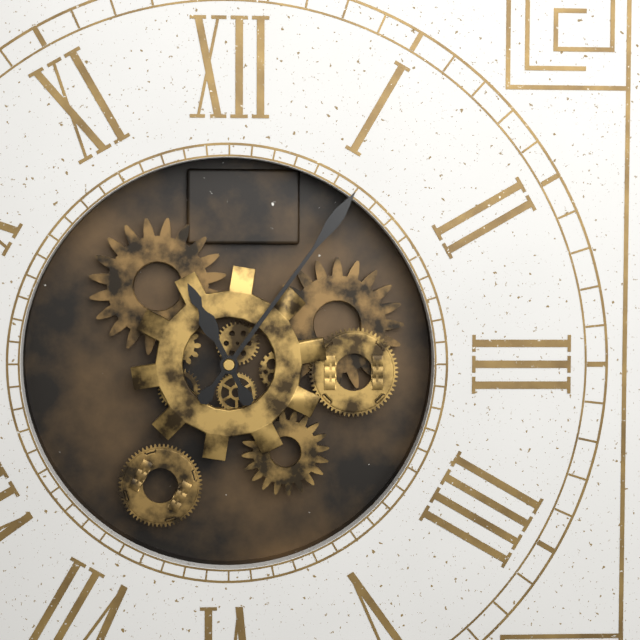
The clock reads 11.06
